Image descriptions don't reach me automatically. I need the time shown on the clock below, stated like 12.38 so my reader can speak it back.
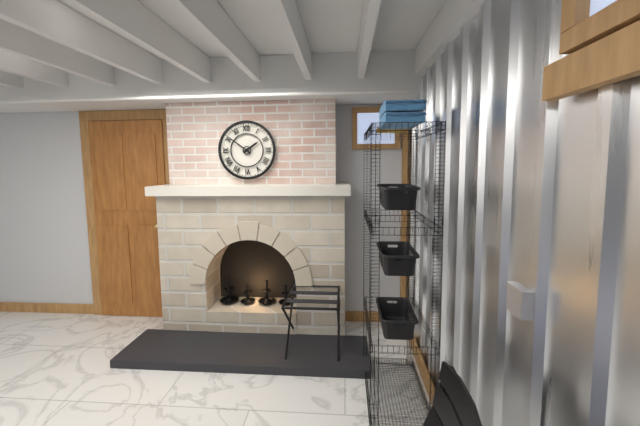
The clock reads 1.51
